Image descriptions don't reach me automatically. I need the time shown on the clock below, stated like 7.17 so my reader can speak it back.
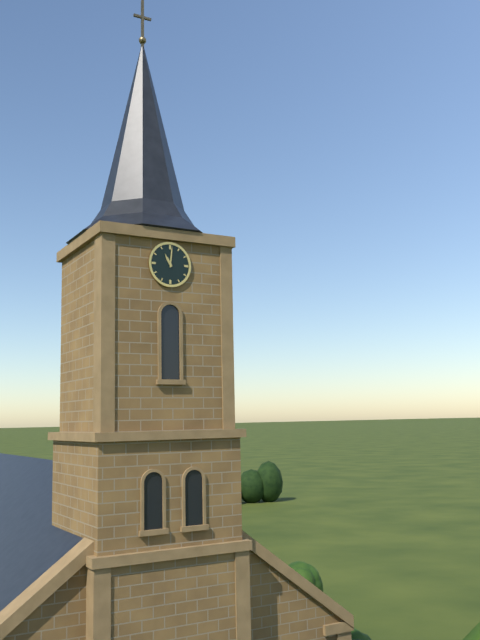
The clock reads 11.01
